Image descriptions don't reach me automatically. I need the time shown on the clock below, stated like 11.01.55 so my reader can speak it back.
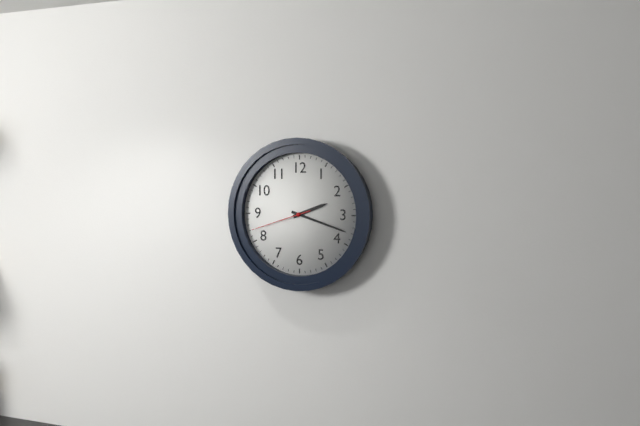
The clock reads 2.18.42
